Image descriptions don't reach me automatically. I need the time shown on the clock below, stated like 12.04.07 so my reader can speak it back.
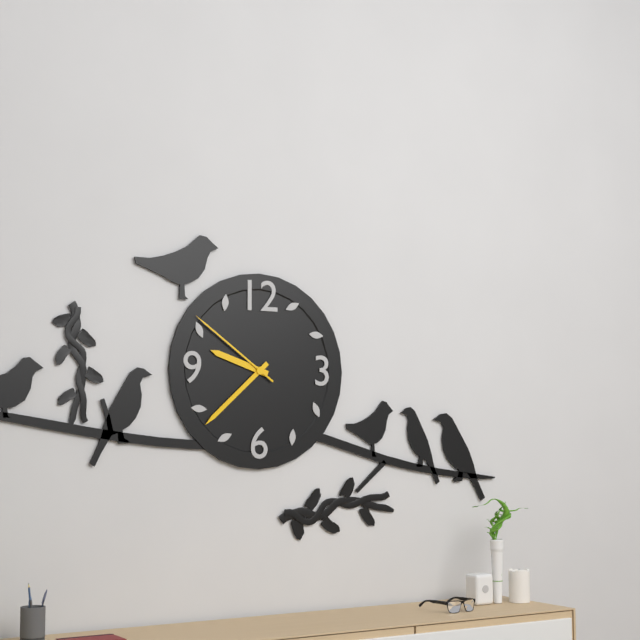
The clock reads 9.38.51
